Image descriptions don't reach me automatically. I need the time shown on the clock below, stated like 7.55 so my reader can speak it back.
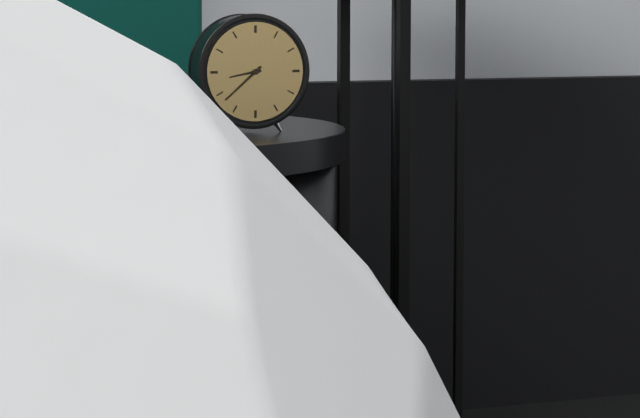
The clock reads 8.38
